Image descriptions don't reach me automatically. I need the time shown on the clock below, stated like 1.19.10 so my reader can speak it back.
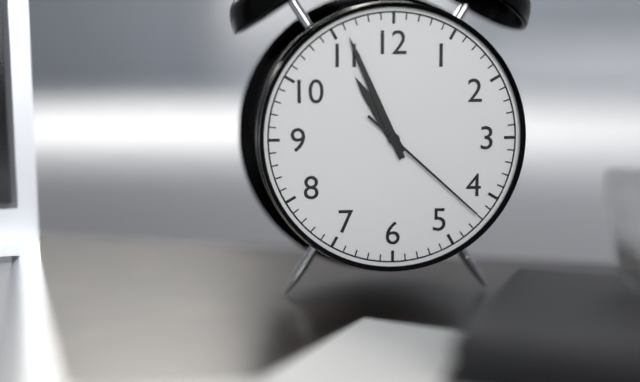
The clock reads 10.56.22
